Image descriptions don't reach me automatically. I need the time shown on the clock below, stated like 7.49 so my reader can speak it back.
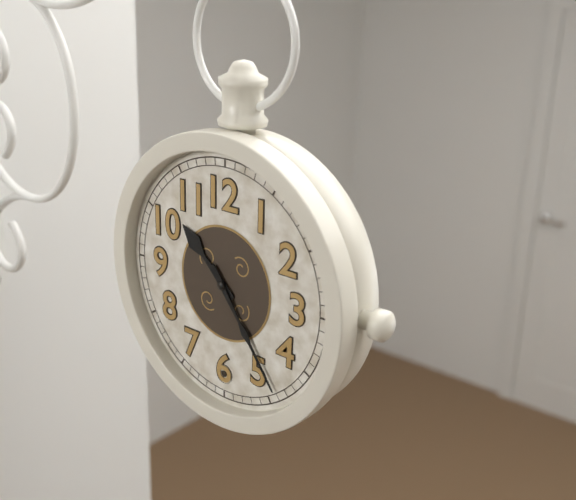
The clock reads 10.24
